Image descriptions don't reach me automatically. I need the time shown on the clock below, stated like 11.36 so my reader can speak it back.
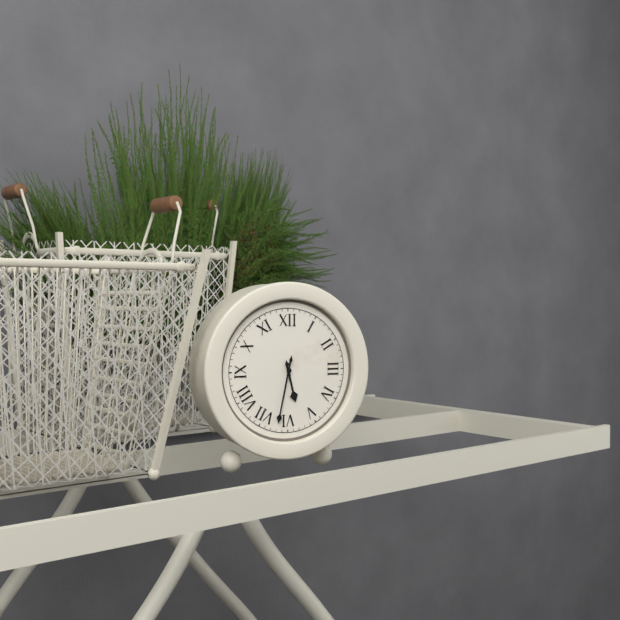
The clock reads 5.32
